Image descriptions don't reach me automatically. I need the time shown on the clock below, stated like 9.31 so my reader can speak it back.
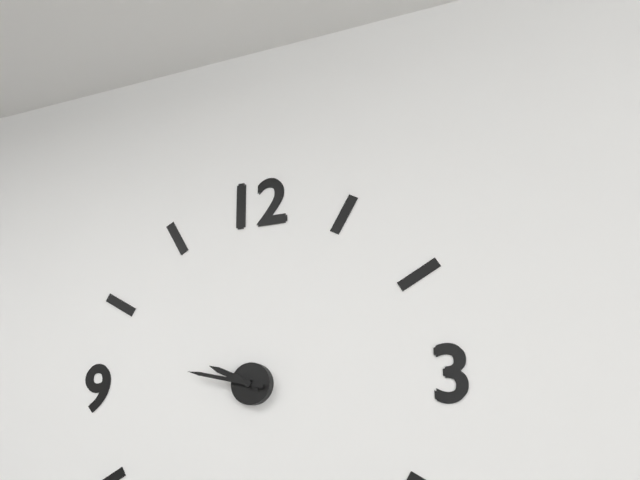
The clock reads 9.47
